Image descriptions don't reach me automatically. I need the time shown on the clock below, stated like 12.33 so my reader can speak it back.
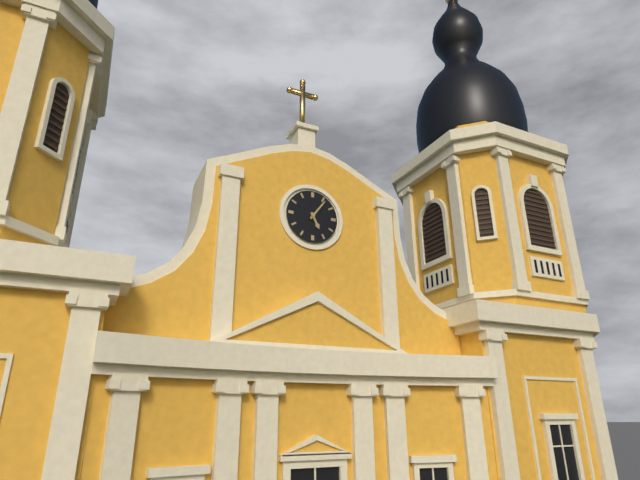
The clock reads 5.06
